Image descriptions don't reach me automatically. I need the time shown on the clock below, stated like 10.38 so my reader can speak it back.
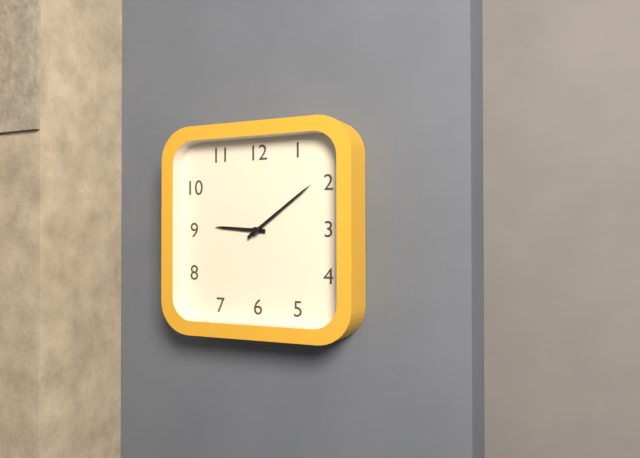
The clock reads 9.09
